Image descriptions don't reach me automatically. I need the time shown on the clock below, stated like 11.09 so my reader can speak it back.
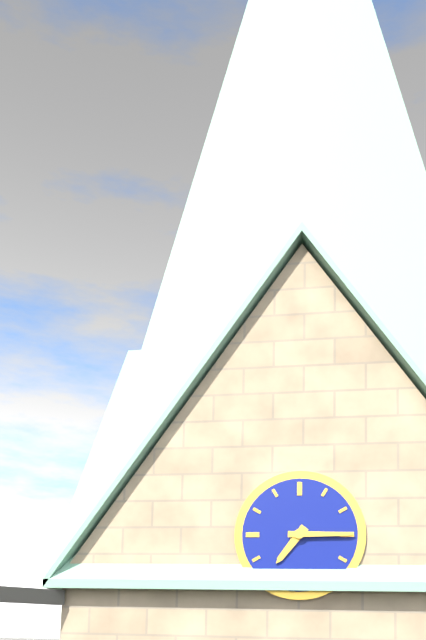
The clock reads 7.15
